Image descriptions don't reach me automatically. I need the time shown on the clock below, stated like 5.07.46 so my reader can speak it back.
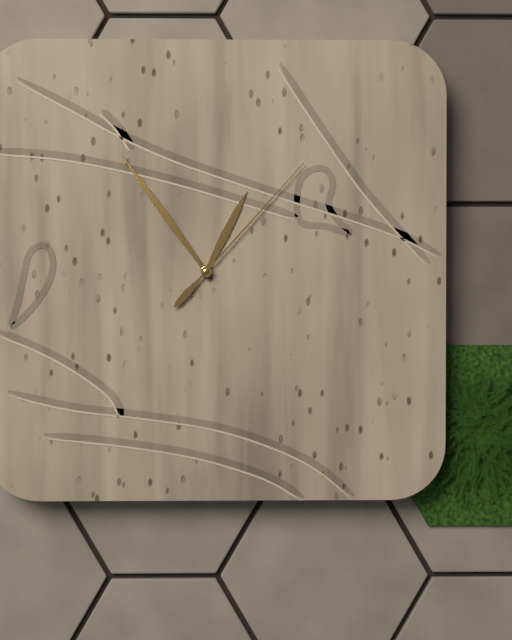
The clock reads 12.54.07
